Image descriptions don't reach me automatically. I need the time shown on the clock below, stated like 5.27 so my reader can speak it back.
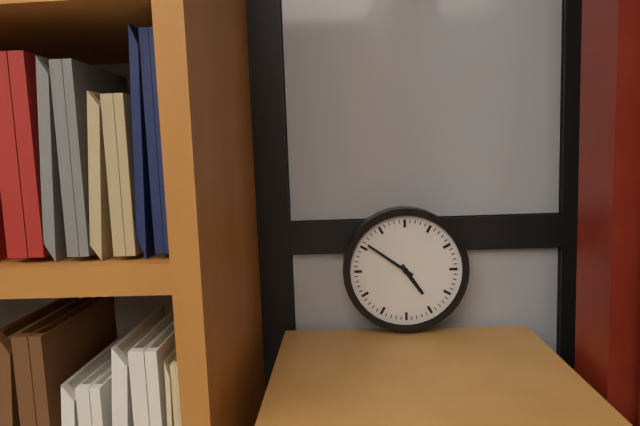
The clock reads 4.51
